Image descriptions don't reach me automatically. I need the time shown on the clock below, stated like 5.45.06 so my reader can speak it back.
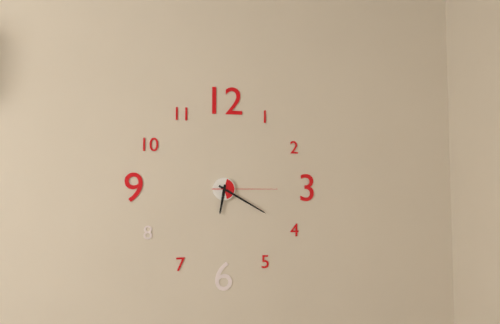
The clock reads 6.20.15
